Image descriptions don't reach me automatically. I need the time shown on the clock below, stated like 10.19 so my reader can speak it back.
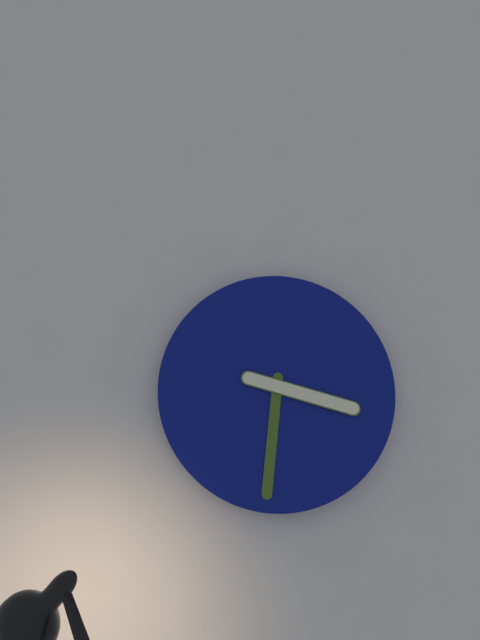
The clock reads 3.31
